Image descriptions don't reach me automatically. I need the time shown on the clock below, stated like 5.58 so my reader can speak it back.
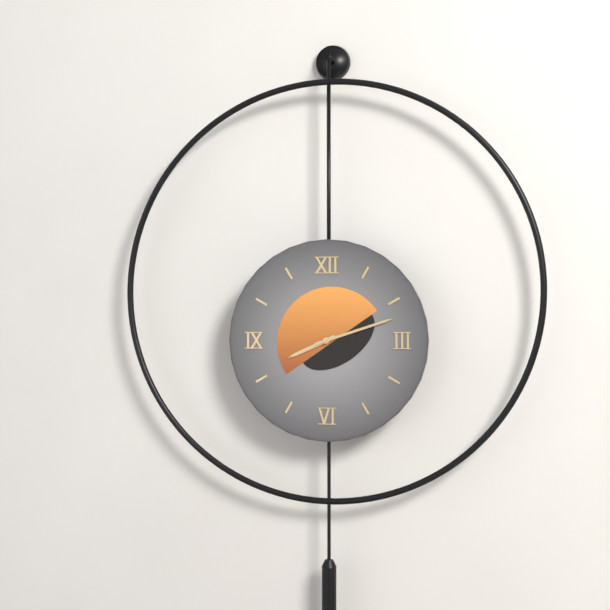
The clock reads 8.12
